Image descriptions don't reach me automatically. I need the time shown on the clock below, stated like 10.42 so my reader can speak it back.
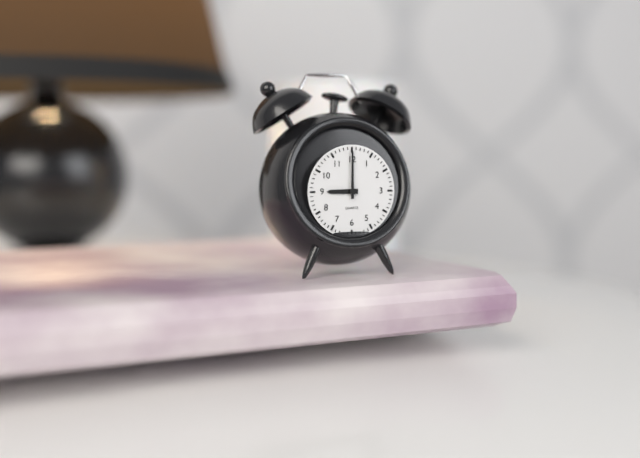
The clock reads 9.00
